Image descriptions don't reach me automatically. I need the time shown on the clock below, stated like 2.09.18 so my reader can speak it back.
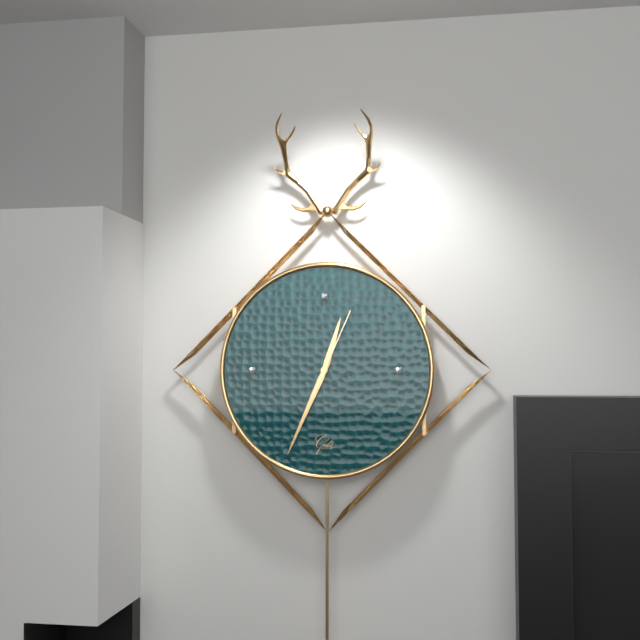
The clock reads 12.34.04
